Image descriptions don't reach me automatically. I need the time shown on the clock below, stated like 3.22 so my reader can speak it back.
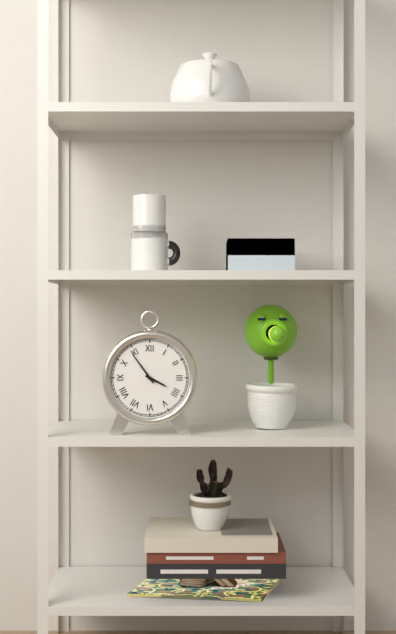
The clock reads 3.54
